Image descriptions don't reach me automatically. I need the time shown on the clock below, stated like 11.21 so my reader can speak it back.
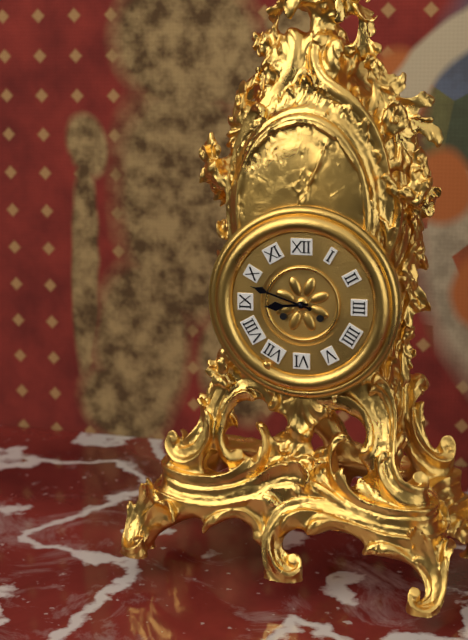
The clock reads 8.48
